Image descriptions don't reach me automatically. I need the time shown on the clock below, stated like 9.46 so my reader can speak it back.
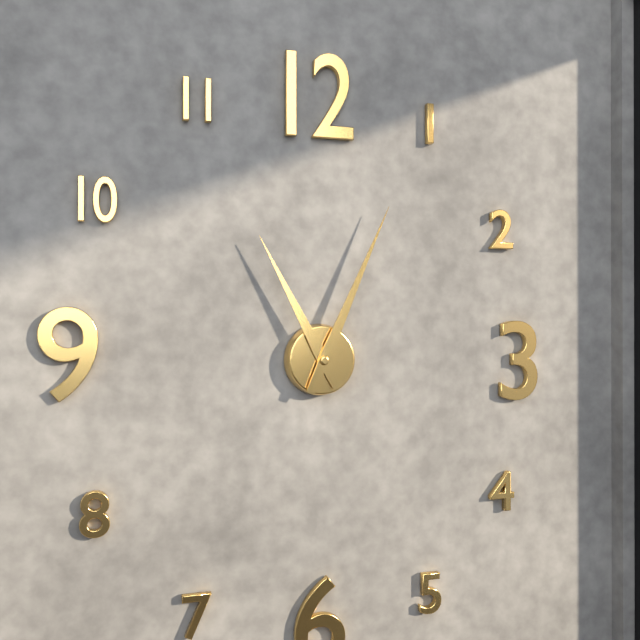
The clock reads 11.04
